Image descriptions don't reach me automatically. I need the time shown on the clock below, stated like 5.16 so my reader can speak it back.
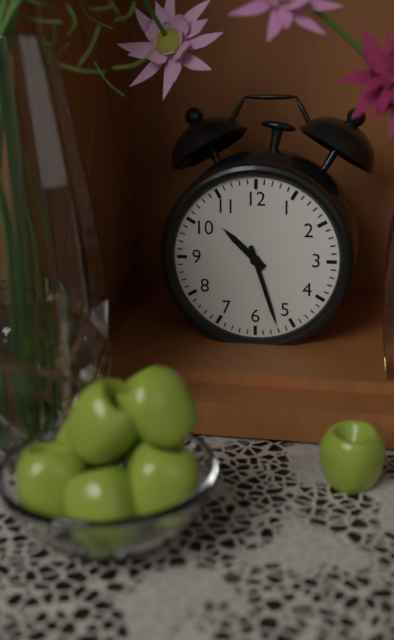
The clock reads 10.27
